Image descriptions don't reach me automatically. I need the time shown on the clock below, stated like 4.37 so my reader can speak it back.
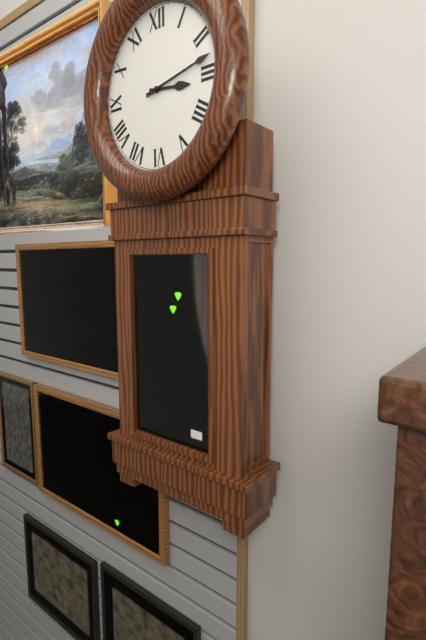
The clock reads 3.13
